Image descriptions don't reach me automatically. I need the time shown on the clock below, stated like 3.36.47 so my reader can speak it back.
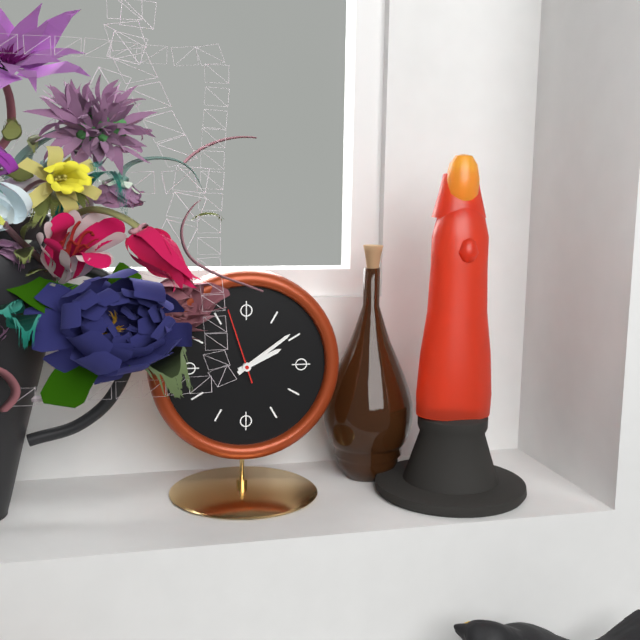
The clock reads 2.09.57
